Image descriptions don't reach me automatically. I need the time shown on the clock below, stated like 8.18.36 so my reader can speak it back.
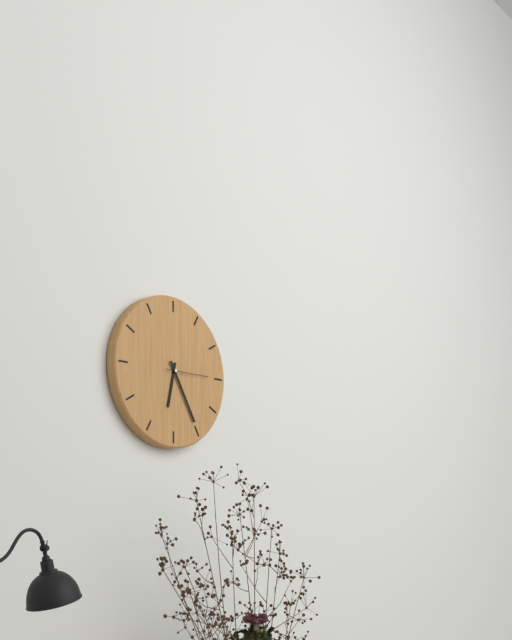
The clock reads 6.25.15
